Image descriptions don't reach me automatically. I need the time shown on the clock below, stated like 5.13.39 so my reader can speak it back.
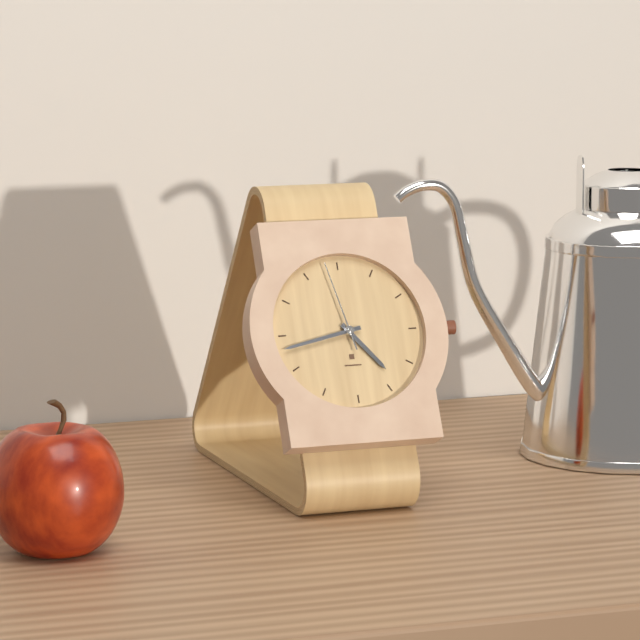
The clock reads 4.43.58
